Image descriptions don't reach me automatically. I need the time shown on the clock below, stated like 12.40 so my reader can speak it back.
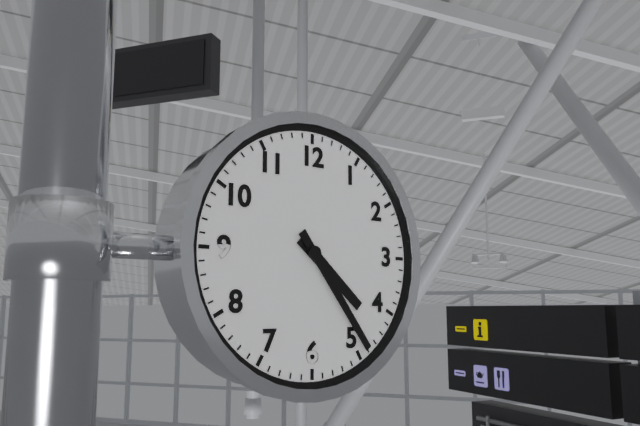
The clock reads 4.24
